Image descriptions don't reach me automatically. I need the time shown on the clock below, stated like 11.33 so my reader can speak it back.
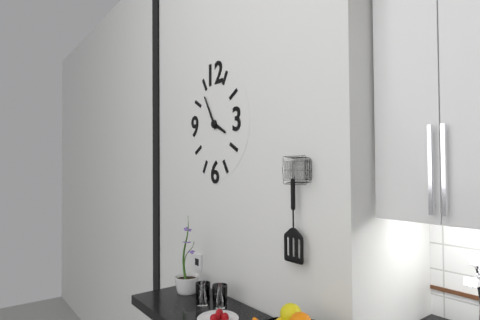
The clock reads 3.55
